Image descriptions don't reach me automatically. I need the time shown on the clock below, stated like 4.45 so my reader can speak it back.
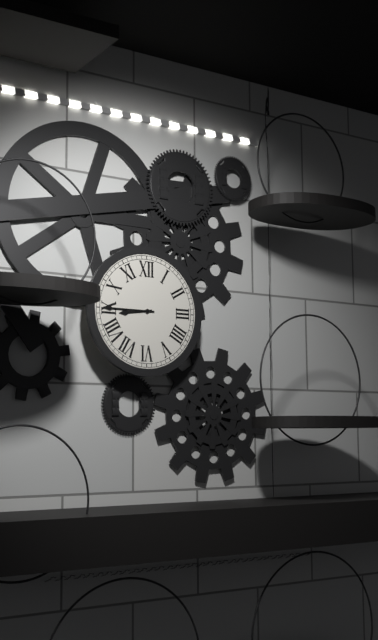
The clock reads 8.45
